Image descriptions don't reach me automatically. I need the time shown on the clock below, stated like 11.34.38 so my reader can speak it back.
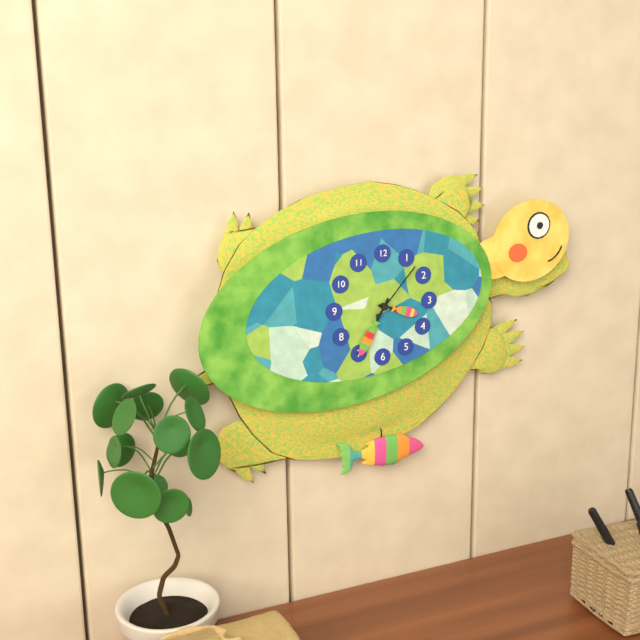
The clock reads 3.35.07
